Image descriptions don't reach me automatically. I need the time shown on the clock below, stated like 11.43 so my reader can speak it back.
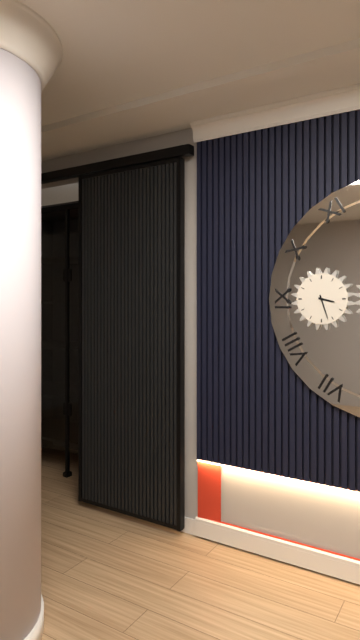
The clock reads 3.27
